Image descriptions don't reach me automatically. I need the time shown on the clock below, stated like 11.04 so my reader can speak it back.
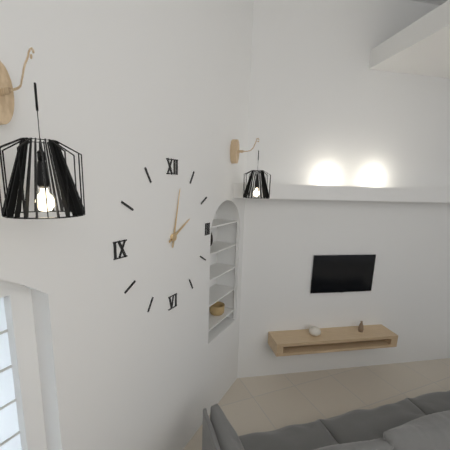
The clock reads 2.02
